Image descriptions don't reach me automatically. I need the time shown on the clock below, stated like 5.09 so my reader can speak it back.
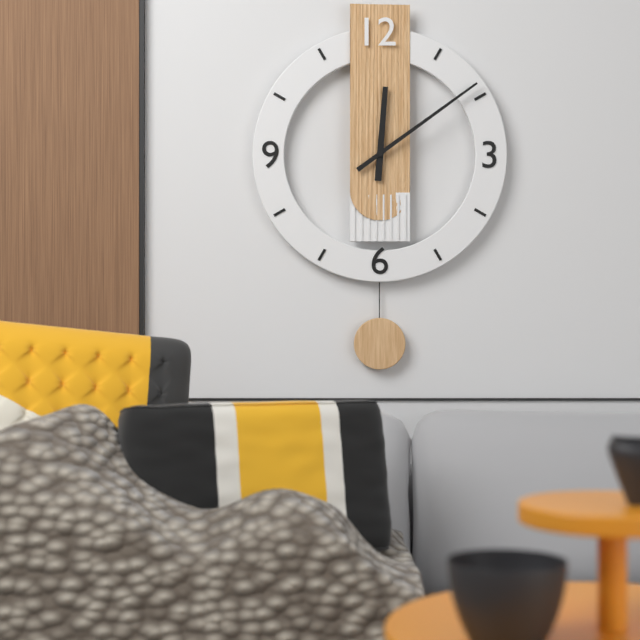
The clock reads 12.09
